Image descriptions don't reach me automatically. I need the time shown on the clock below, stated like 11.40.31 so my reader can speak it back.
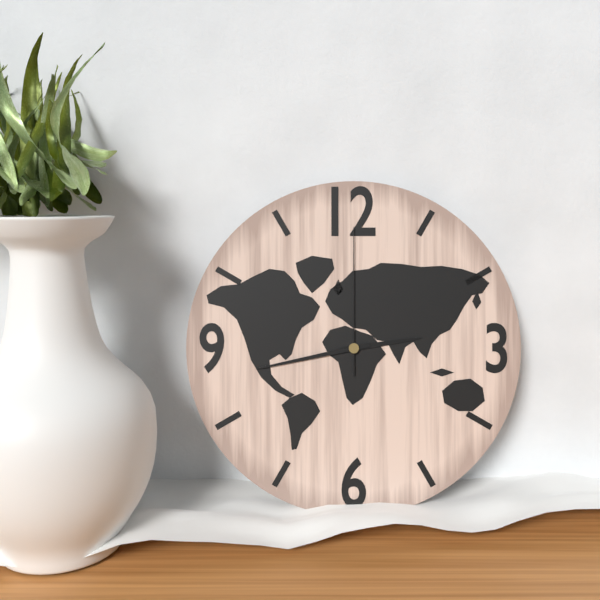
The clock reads 2.43.00
